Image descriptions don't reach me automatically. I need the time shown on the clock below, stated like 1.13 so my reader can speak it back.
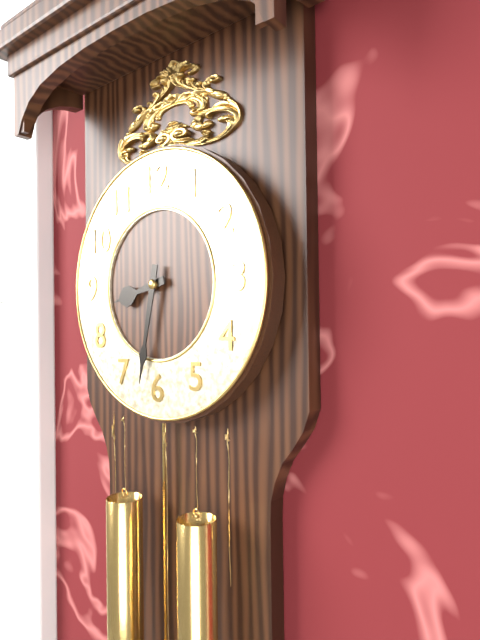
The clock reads 8.32
